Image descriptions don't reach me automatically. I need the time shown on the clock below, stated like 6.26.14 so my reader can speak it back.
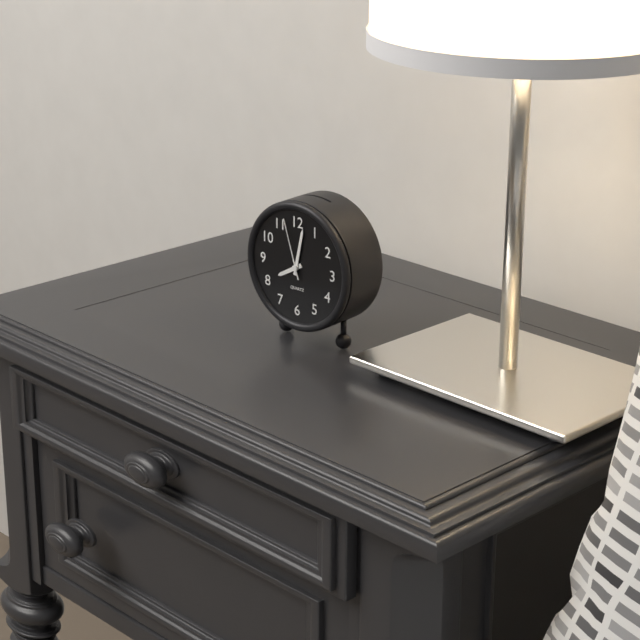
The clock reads 8.02.57
